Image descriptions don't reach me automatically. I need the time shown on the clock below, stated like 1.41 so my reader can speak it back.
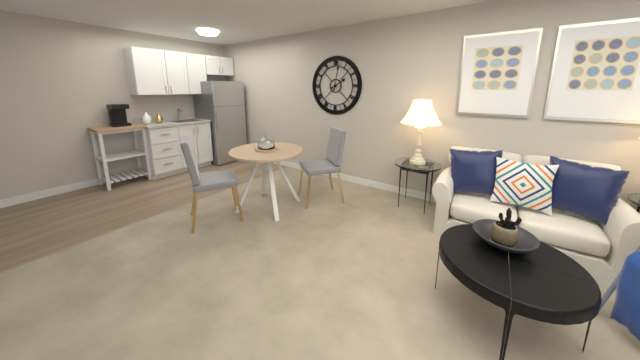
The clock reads 2.02
